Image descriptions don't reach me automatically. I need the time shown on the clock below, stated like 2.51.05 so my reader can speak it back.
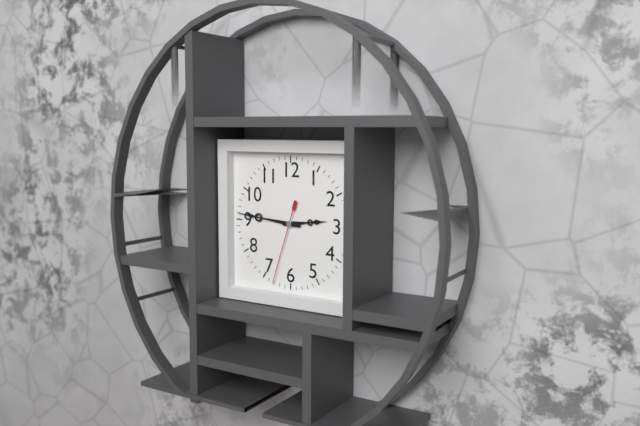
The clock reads 2.46.33
